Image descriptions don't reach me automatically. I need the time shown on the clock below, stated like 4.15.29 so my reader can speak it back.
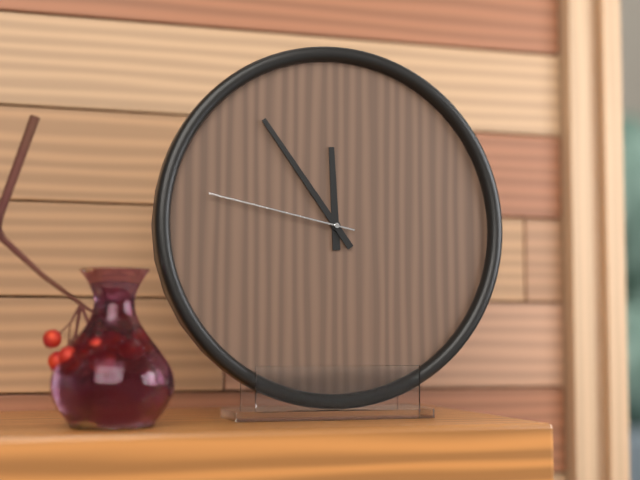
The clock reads 11.54.47
